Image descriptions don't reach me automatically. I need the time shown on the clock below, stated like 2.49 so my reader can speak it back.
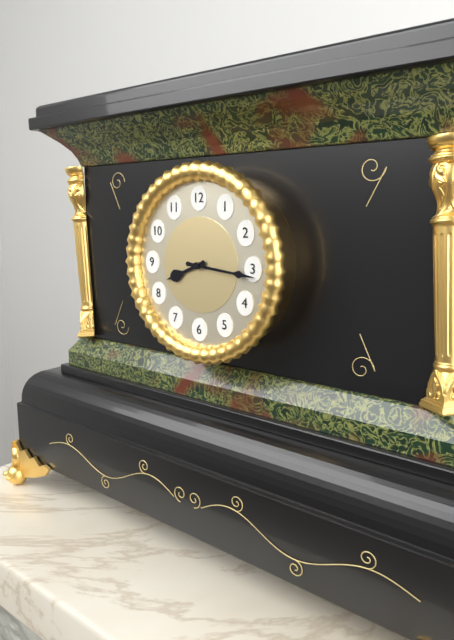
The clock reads 8.16
